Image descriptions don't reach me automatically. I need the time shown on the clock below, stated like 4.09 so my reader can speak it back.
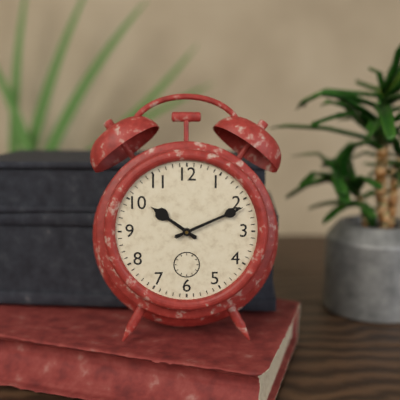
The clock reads 10.11
